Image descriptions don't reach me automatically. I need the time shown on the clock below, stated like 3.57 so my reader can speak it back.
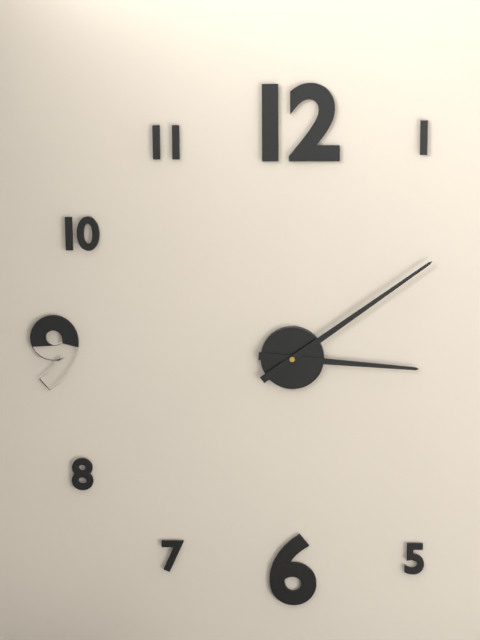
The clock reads 3.09
